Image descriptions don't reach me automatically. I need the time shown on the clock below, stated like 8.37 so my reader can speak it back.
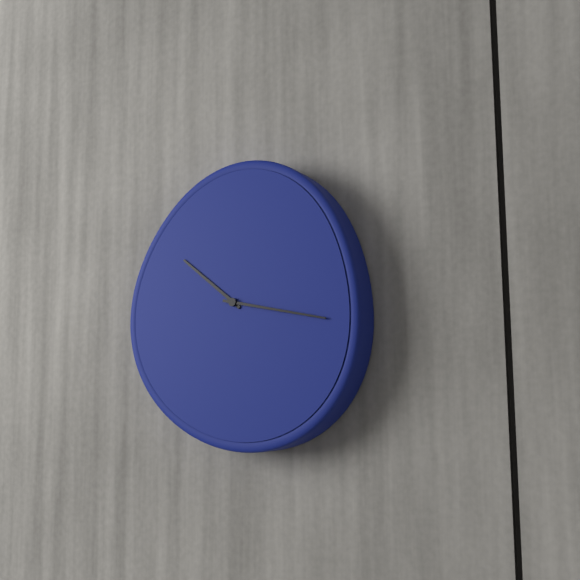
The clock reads 10.17
